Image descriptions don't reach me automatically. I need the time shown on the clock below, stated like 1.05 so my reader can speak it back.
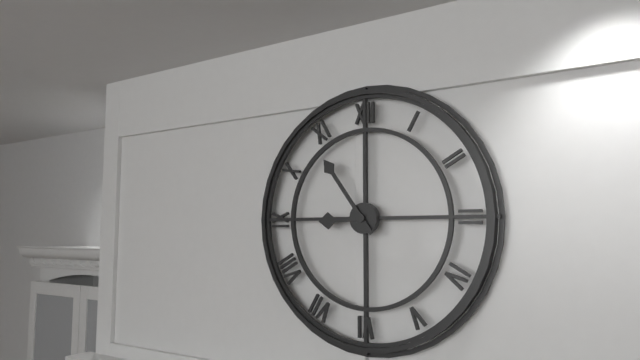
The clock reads 8.54
